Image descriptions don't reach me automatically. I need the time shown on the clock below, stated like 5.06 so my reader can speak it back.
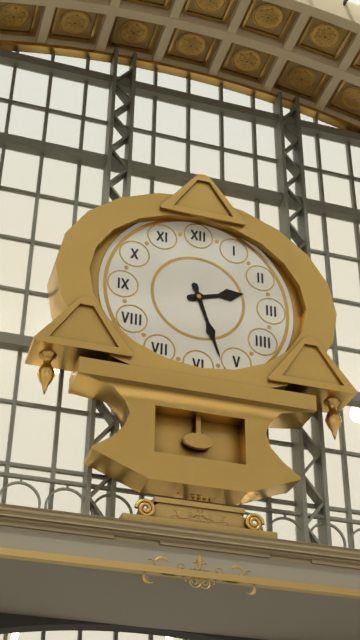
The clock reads 2.27
